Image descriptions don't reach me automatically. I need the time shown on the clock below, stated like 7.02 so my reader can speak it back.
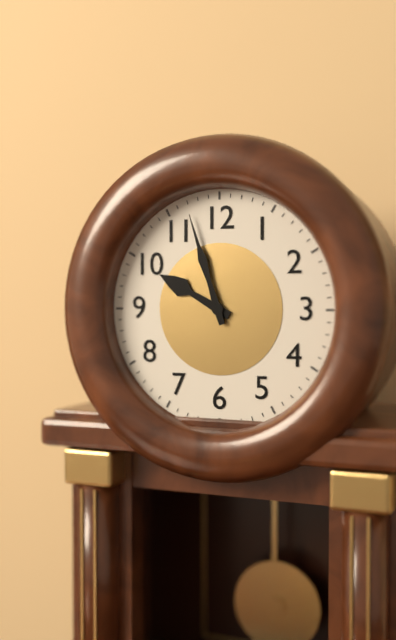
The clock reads 9.57
